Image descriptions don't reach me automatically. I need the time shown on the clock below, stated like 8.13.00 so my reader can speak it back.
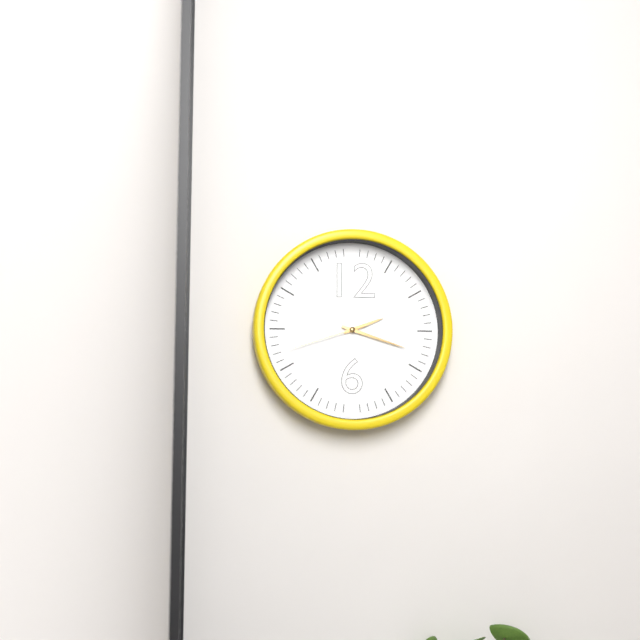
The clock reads 2.18.42
